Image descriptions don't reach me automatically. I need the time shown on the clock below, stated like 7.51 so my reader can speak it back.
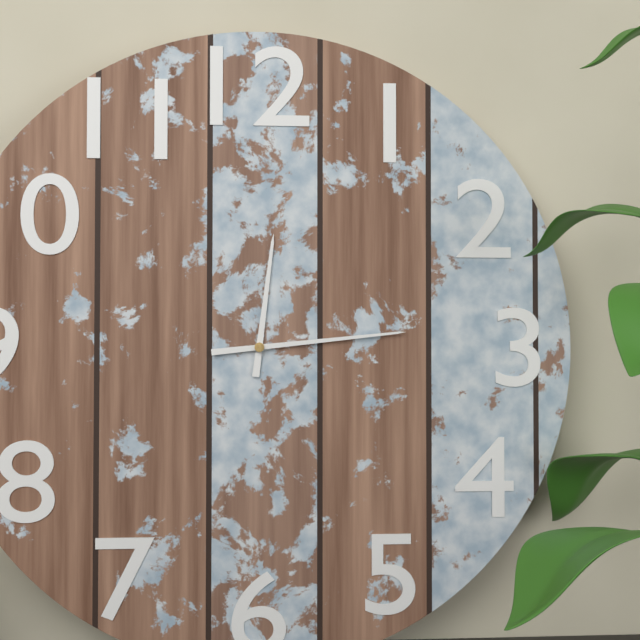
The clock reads 12.14
